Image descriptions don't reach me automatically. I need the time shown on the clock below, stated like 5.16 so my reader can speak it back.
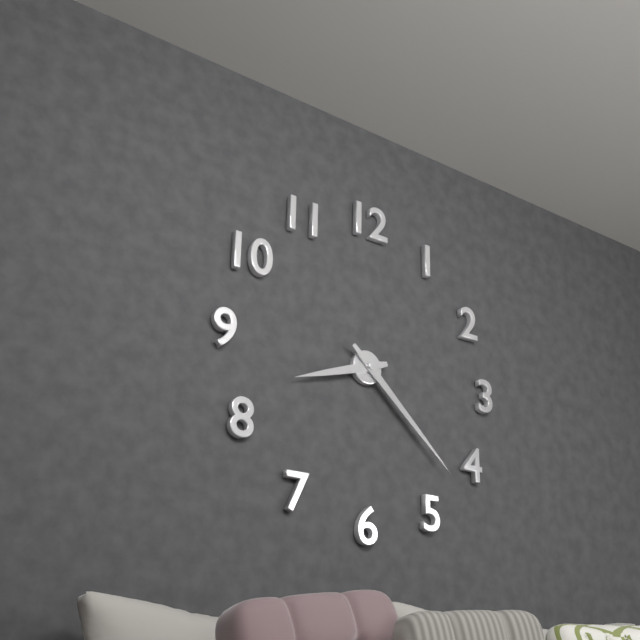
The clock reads 8.22
